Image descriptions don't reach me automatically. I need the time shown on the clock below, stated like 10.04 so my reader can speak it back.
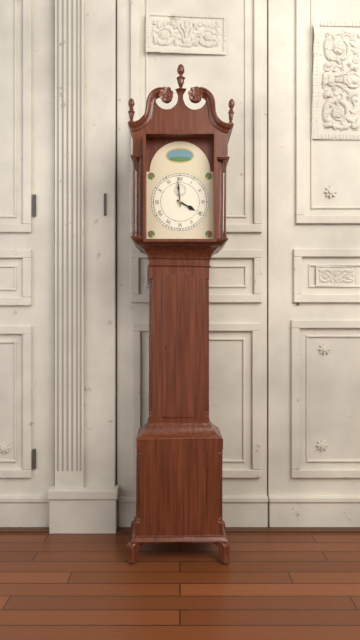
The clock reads 3.59
